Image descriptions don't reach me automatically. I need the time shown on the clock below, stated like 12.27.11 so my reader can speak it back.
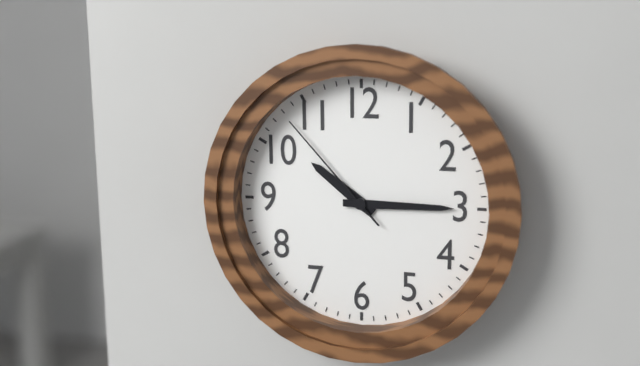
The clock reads 10.15.53
